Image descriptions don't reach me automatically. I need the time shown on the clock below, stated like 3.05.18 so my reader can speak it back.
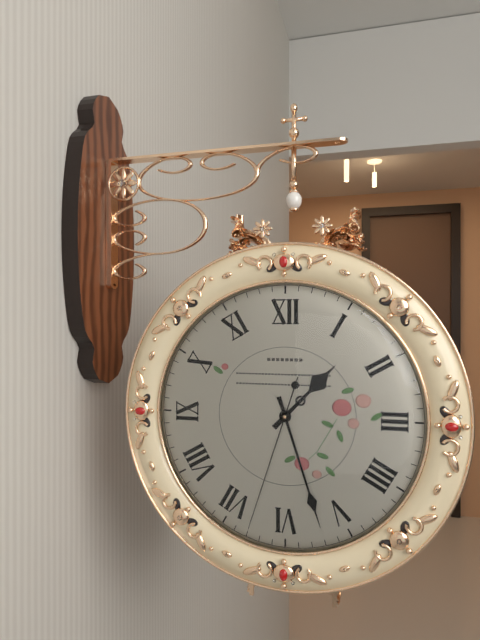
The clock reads 1.27.33
